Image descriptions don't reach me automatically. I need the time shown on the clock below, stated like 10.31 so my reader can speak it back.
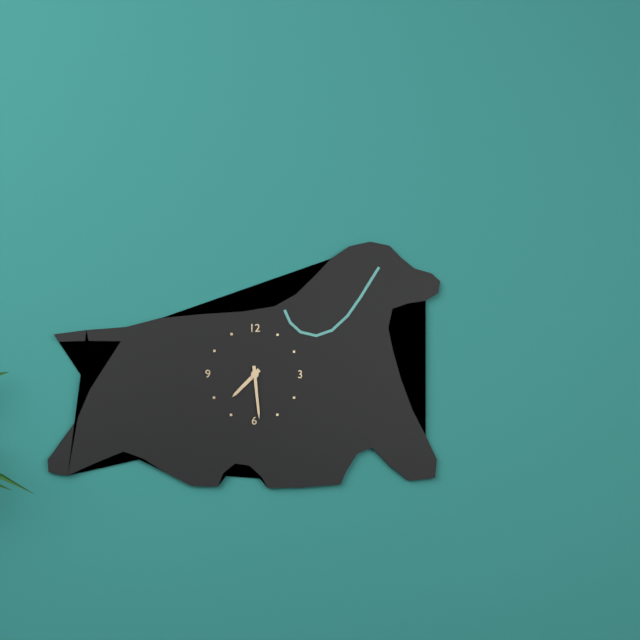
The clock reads 7.29
